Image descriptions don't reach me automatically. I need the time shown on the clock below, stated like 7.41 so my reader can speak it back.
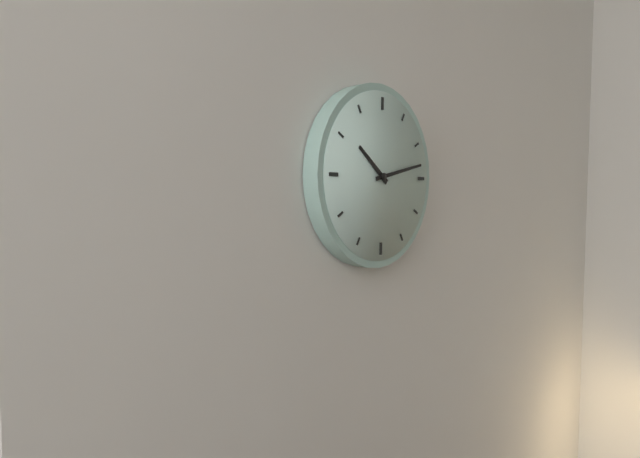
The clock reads 10.13
